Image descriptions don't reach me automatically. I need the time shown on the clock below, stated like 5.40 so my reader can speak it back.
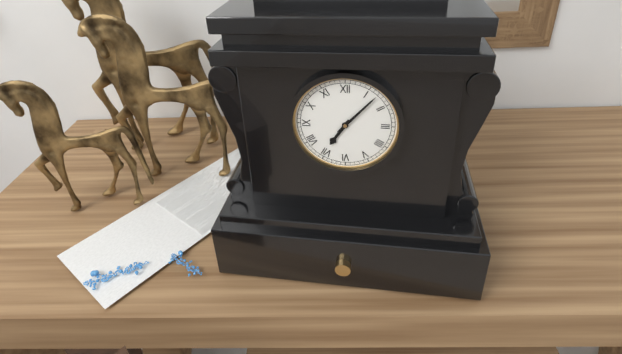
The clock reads 7.07
